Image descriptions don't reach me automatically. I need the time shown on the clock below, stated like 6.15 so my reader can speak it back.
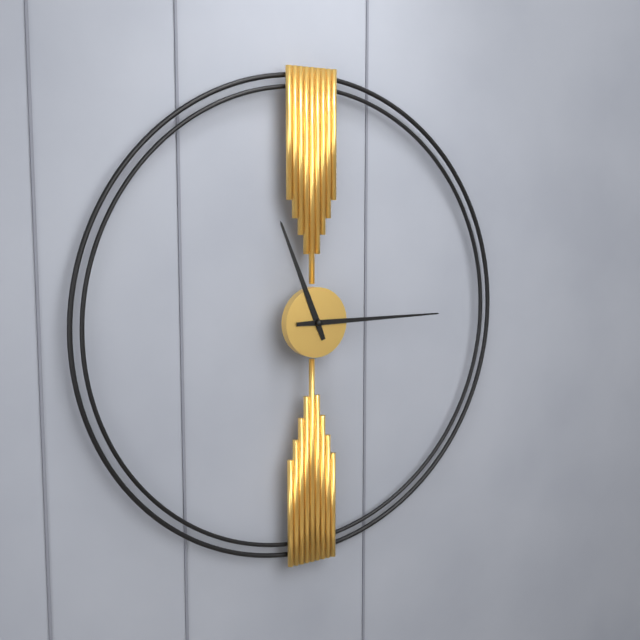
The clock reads 11.15
